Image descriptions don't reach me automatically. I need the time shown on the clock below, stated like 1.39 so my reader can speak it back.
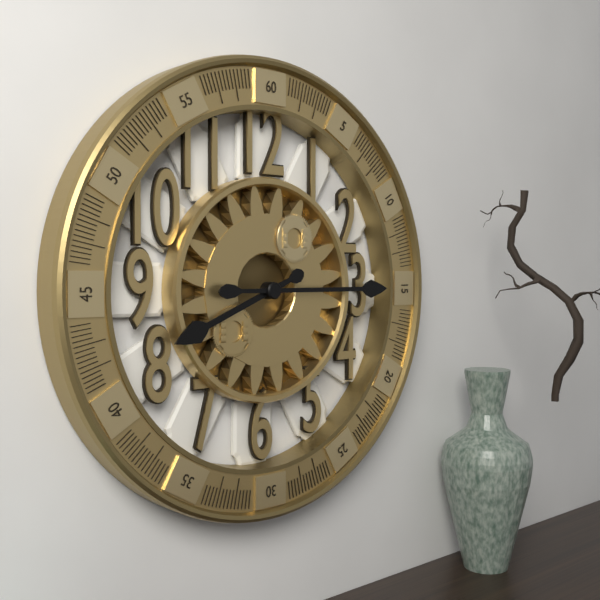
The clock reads 8.15
